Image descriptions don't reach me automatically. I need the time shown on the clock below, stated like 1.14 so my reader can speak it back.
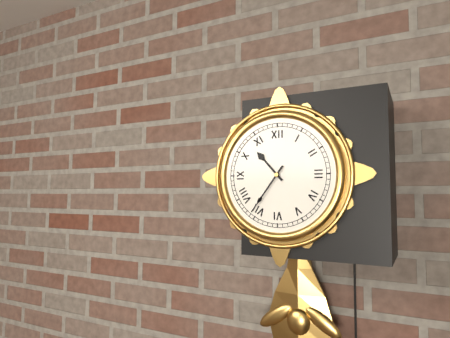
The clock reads 10.36
